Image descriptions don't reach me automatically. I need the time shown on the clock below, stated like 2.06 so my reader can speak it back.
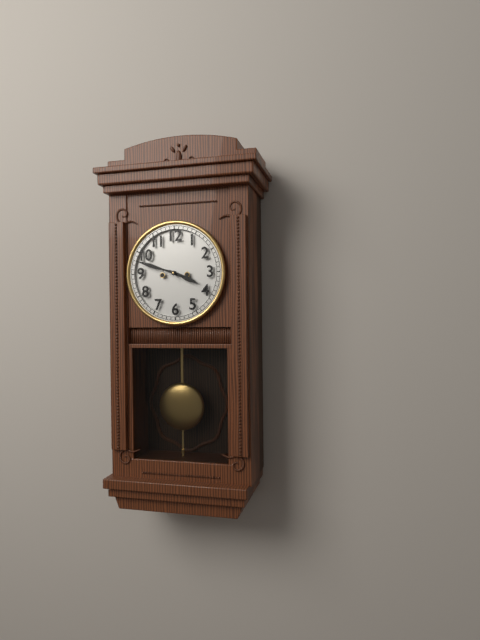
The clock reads 3.48
